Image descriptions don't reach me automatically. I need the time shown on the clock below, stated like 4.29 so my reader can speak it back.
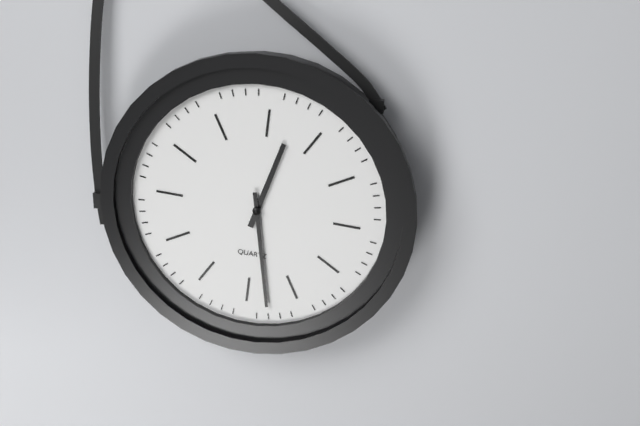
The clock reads 12.28
